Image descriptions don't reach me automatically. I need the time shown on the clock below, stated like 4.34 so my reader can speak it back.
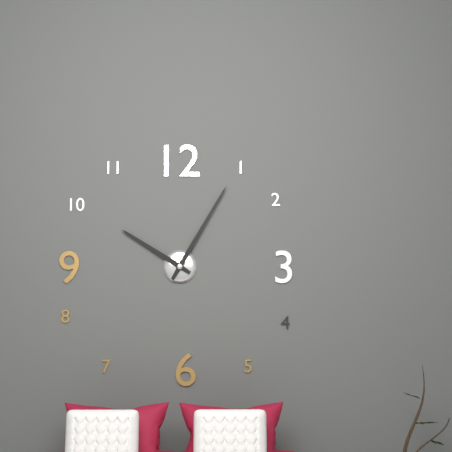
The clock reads 10.05
